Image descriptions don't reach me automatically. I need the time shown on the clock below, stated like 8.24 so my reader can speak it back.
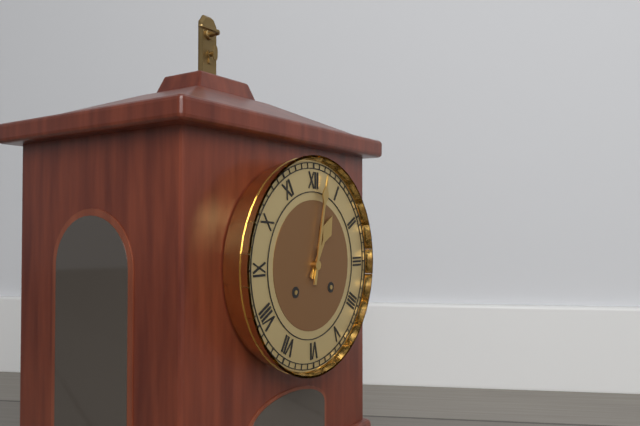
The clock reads 1.02
